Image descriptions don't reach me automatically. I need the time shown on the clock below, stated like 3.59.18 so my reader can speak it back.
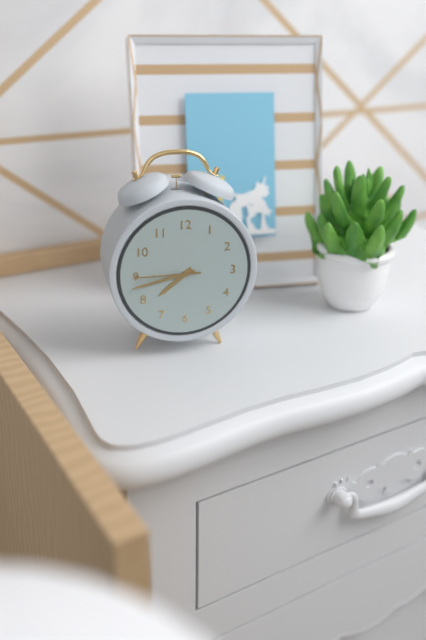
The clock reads 7.43.45
